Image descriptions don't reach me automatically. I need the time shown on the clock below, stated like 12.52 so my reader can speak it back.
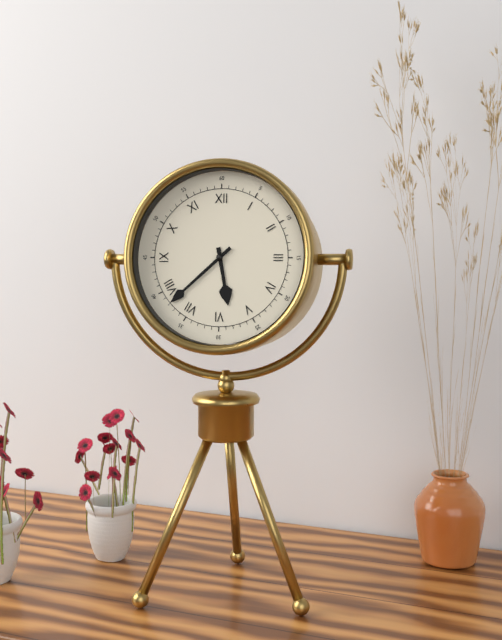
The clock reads 5.38
